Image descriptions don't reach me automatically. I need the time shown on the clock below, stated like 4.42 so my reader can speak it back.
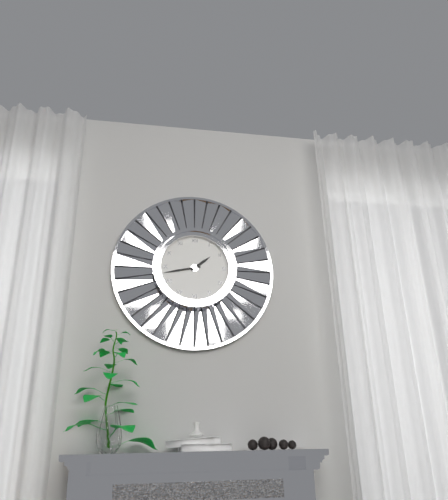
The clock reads 1.43
